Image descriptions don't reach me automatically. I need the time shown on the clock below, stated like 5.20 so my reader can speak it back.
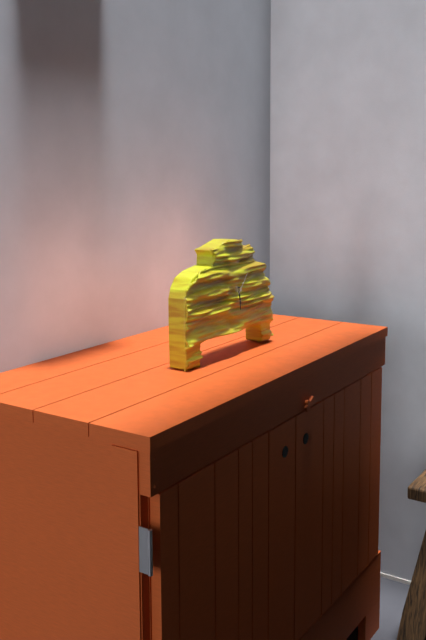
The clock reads 5.29
